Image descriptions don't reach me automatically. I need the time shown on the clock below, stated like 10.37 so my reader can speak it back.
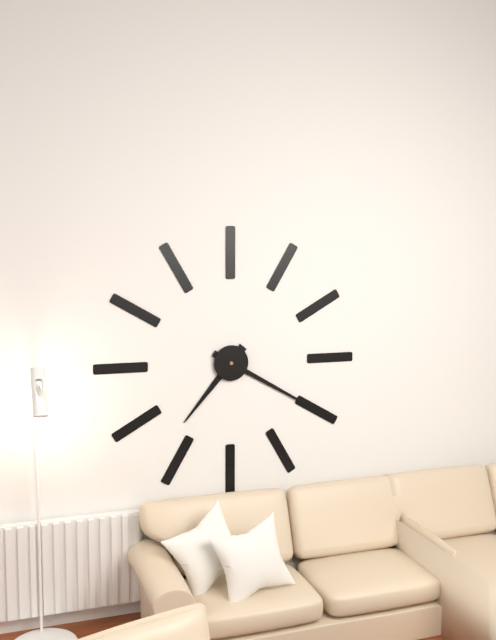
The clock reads 7.20
